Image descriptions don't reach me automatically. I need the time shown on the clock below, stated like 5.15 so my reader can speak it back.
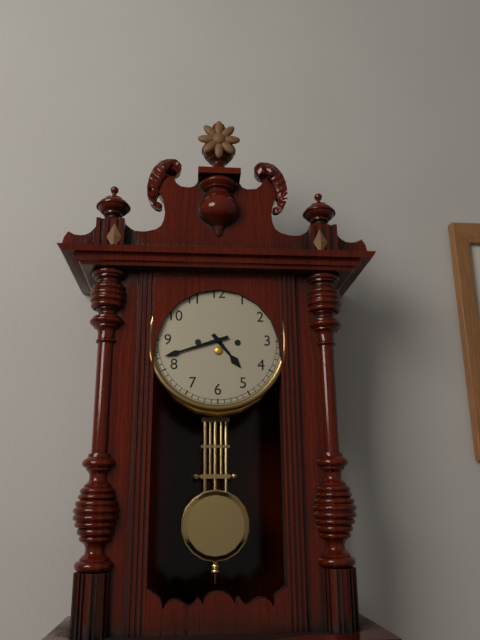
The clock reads 4.42
